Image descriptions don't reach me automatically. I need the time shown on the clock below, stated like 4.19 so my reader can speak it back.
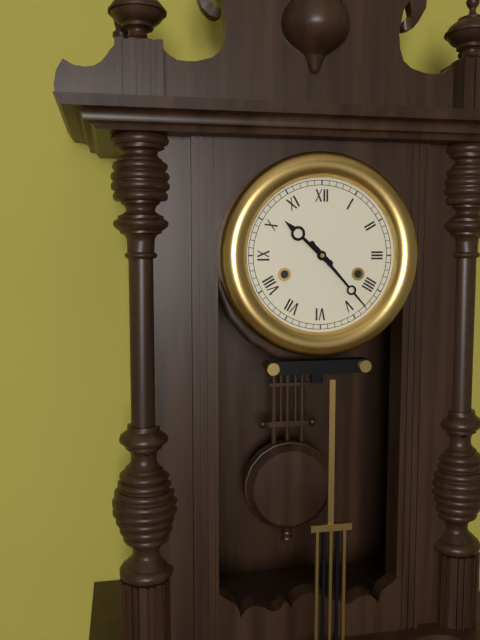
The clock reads 10.23
